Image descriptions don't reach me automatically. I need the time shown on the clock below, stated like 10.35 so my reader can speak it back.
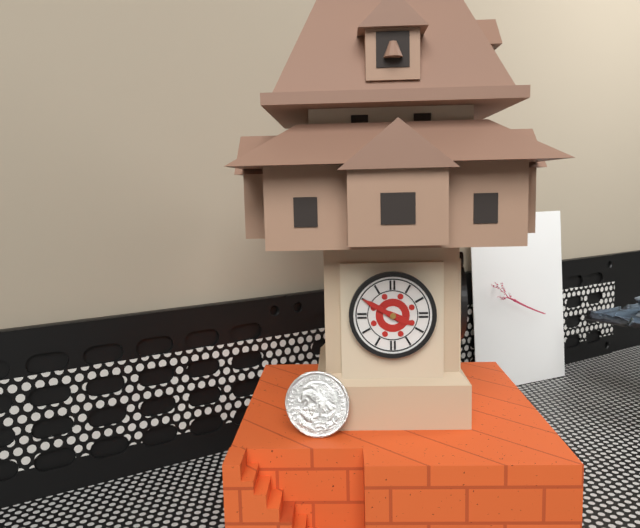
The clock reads 3.50
